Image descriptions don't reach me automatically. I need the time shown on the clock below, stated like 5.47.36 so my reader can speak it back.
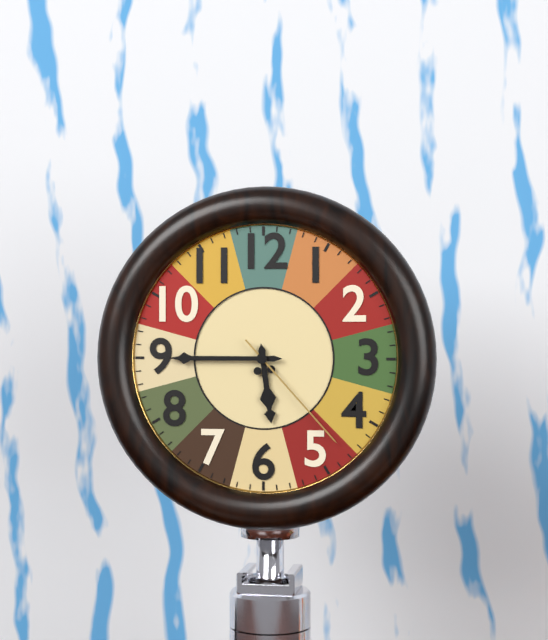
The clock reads 5.45.23
